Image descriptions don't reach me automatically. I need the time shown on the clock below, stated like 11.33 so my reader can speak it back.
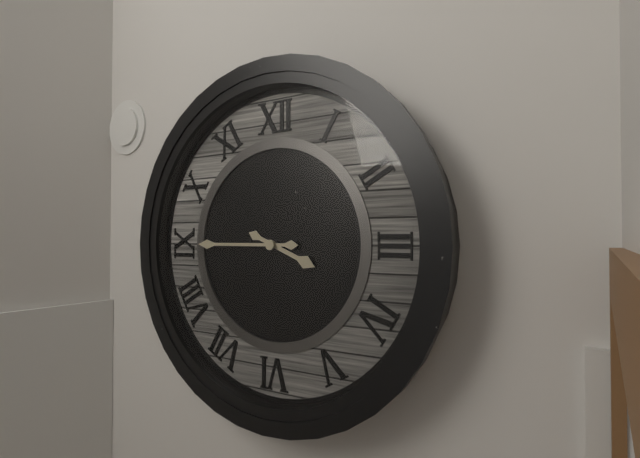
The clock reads 3.45
